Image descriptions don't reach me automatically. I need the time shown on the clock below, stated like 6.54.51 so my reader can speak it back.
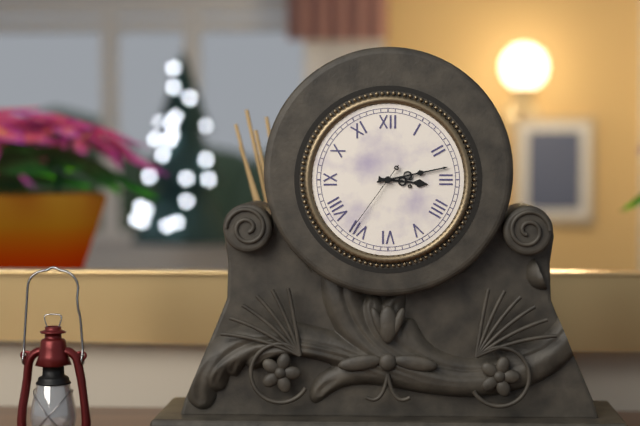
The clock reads 3.13.36
